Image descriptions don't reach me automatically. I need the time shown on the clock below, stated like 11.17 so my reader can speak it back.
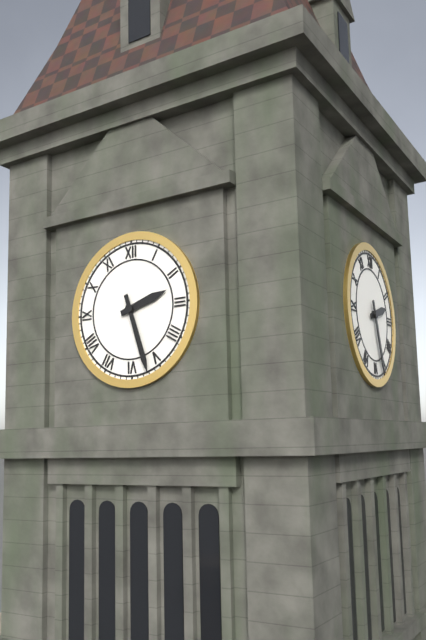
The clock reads 2.27
